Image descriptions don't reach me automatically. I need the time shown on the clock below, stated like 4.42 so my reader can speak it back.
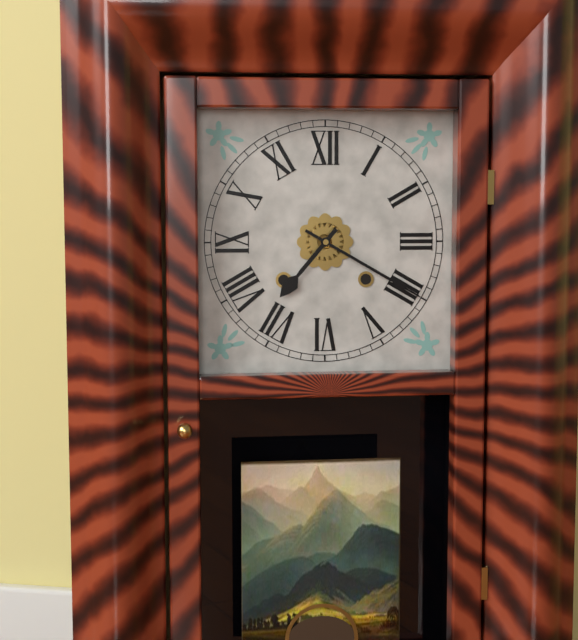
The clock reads 7.20
